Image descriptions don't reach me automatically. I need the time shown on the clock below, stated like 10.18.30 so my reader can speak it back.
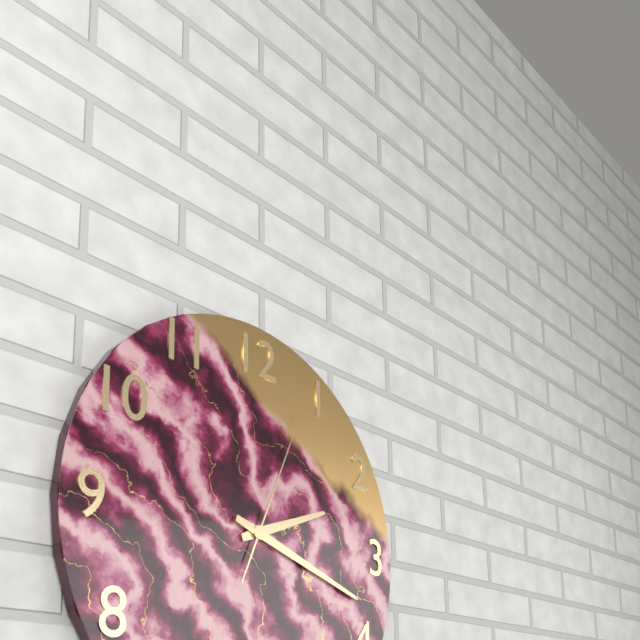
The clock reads 2.18.04
